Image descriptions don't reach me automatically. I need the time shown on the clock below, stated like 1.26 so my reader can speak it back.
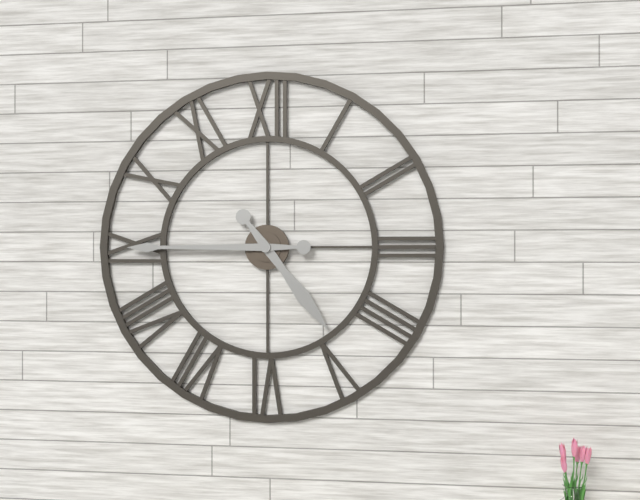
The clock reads 4.45
